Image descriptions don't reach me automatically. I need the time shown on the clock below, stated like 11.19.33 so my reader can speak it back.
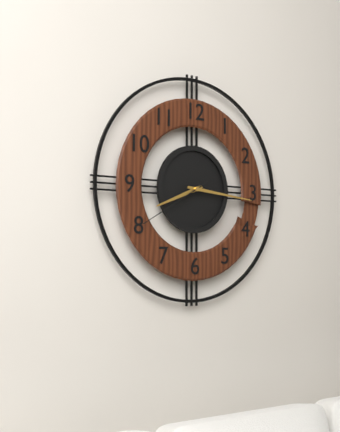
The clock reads 8.16.40
